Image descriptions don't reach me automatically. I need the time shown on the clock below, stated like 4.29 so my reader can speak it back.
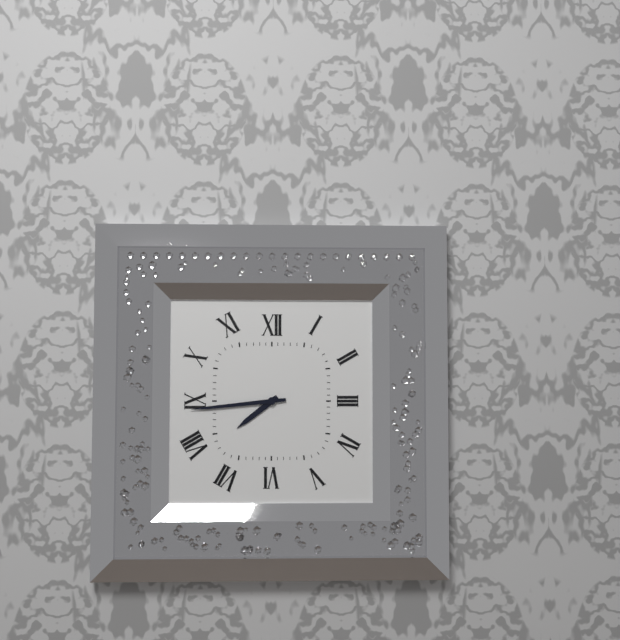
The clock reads 7.44
